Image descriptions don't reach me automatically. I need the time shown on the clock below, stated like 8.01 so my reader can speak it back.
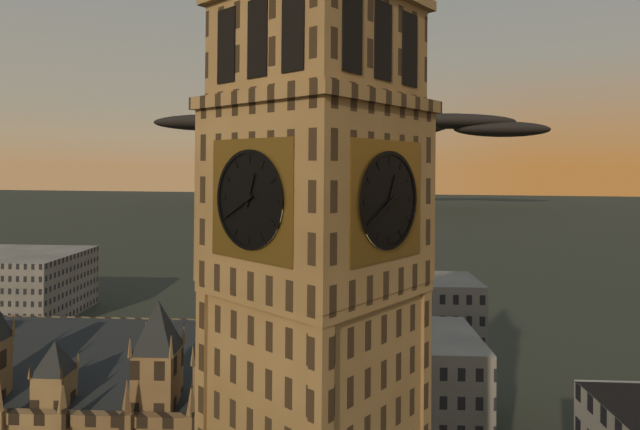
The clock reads 12.40
